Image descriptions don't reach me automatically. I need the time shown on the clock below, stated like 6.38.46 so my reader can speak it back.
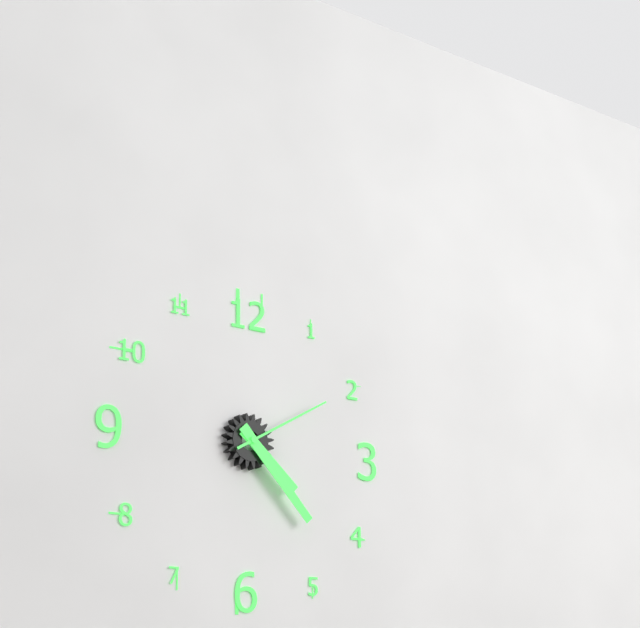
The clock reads 4.23.10
